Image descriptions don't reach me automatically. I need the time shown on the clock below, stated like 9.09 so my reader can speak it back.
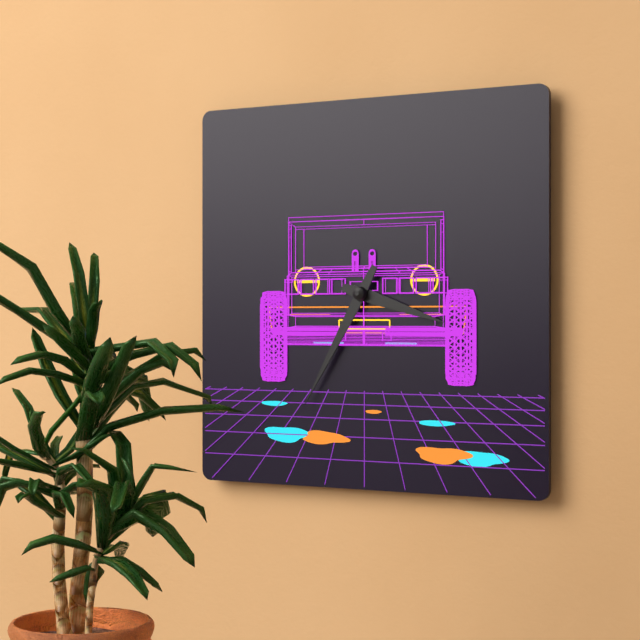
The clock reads 3.35
